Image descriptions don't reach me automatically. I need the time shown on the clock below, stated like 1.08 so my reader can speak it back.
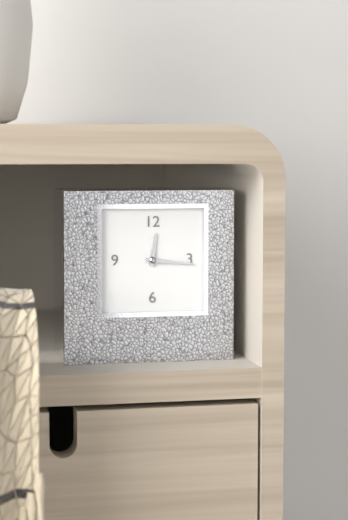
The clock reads 12.16
